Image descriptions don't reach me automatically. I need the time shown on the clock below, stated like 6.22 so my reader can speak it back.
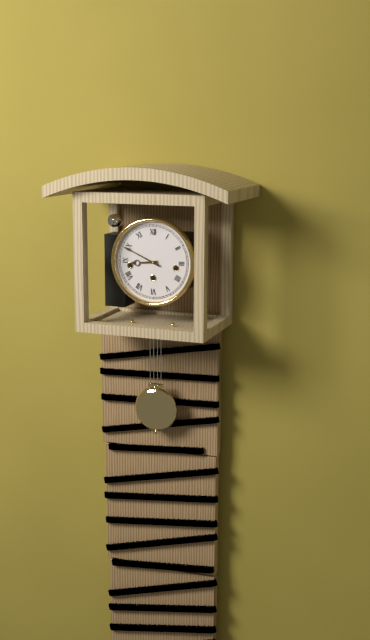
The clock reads 8.49
